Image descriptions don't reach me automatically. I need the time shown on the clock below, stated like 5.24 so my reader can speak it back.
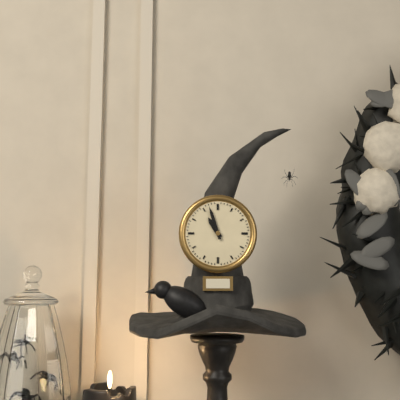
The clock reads 10.57
